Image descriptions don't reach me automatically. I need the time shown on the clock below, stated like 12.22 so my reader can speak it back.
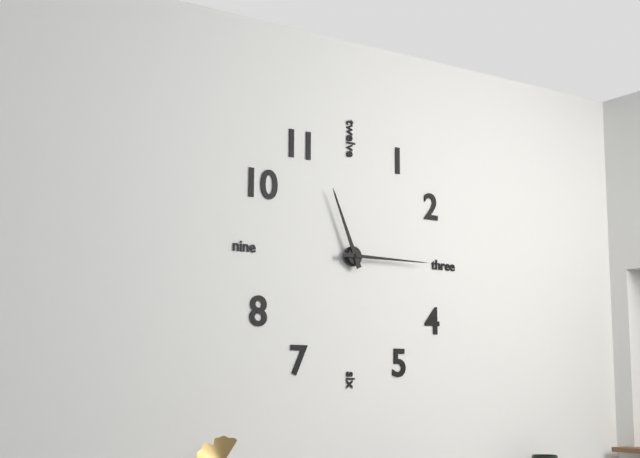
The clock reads 11.15
